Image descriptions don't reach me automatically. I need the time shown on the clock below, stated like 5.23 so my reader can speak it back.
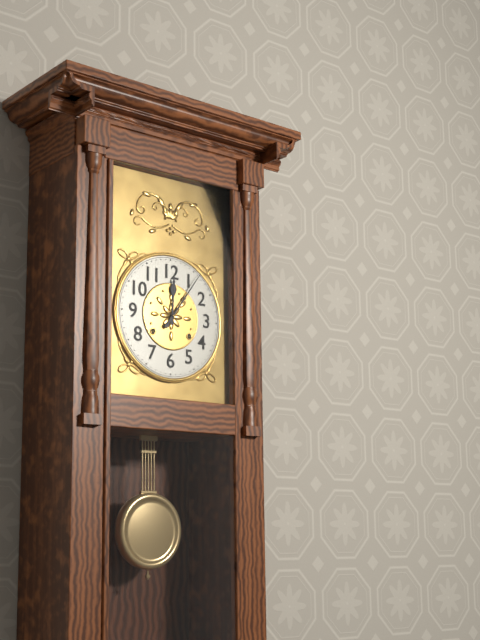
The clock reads 12.06
